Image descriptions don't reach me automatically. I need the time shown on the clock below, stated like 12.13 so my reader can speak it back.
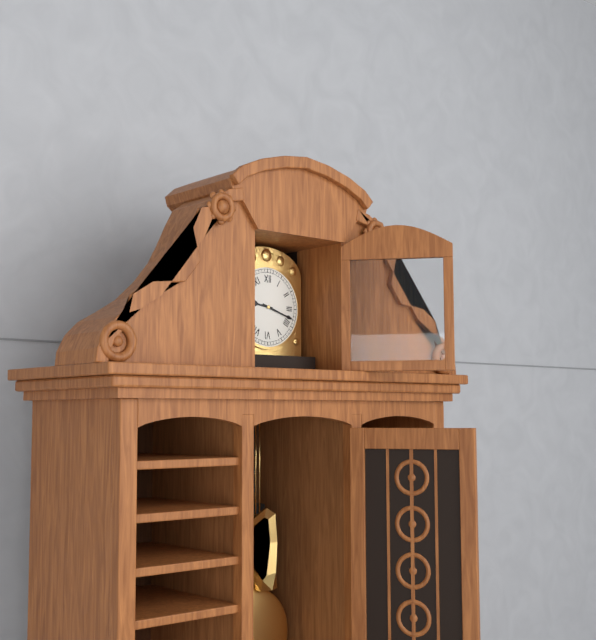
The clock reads 9.18
